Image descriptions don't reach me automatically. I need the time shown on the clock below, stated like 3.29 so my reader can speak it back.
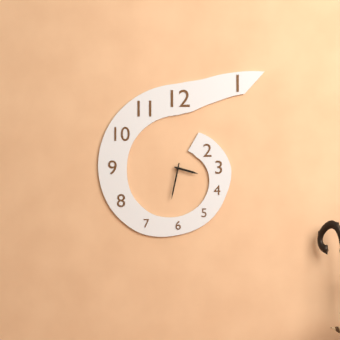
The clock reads 3.32
